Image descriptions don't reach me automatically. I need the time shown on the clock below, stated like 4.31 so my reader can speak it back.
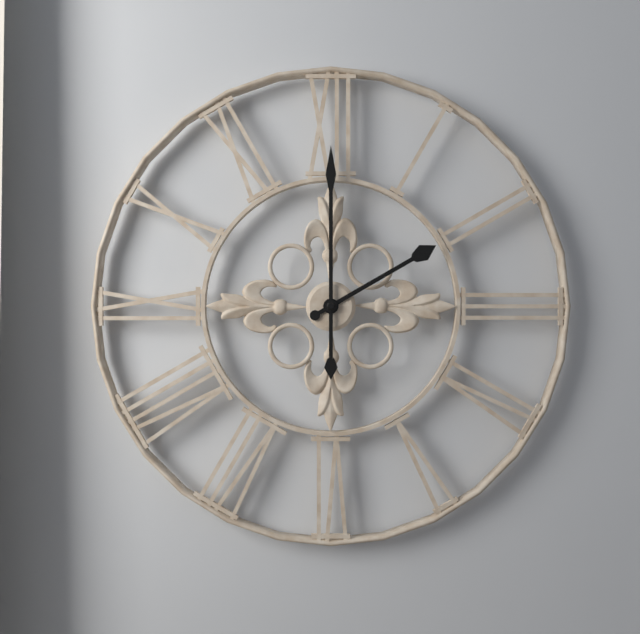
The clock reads 2.00
